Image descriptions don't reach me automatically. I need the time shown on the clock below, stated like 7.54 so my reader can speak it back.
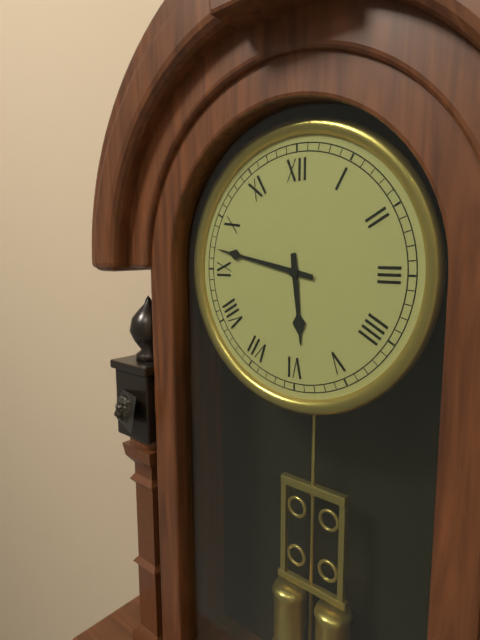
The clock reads 5.47
